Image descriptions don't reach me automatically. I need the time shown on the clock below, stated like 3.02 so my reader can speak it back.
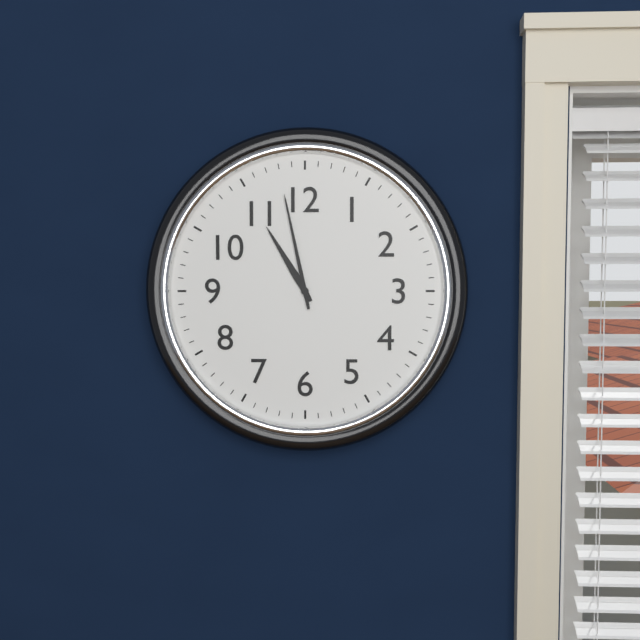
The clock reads 10.58
